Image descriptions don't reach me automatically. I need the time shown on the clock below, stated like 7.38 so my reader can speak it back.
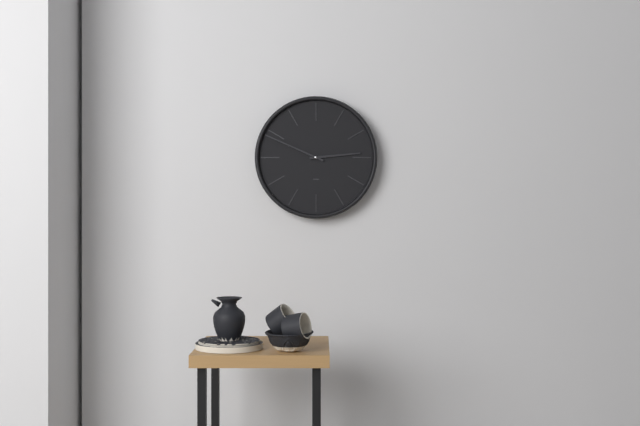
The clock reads 2.49
